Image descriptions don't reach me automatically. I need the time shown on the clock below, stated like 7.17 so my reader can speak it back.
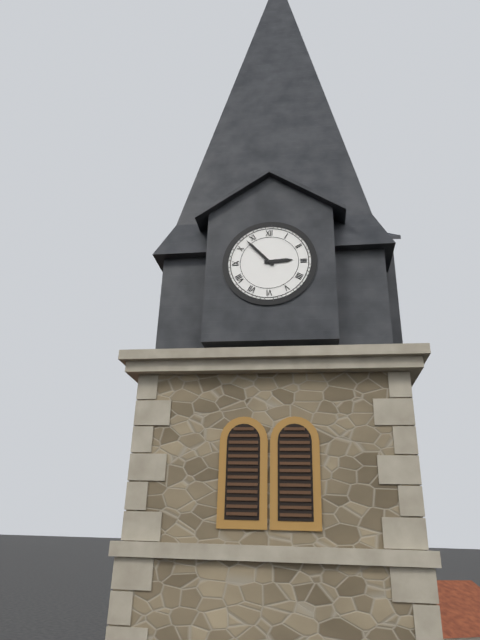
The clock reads 2.53
